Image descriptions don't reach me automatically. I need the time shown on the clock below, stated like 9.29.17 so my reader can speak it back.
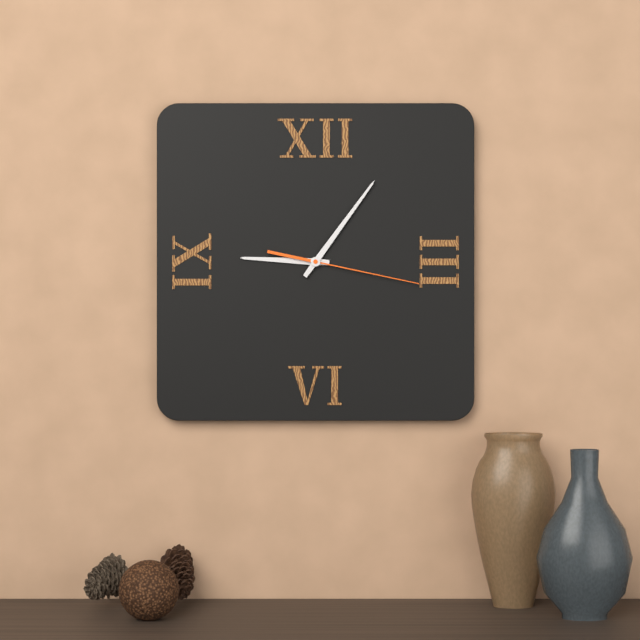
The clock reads 9.06.17
